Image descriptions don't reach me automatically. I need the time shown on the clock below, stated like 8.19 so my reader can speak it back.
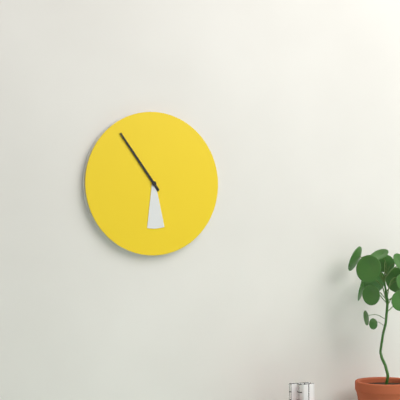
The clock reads 5.54
